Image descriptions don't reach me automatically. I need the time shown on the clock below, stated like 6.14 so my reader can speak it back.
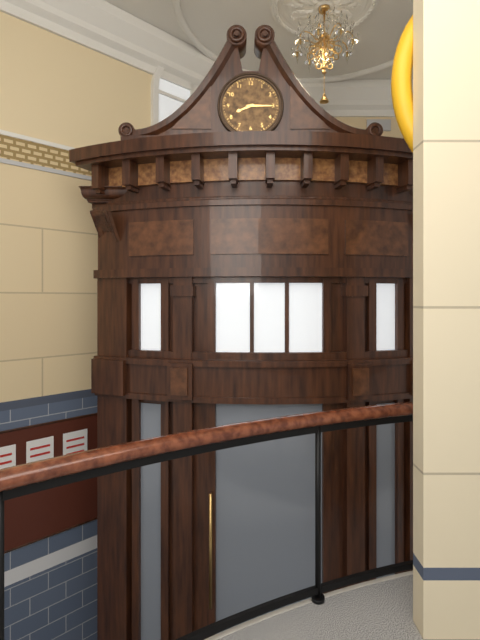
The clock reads 8.15
